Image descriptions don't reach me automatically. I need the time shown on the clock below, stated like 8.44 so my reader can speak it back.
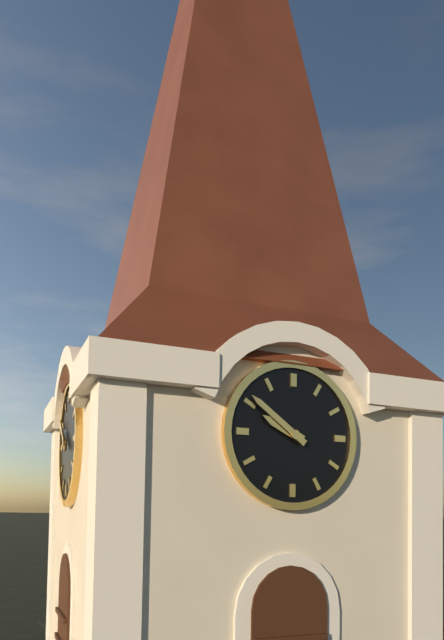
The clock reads 9.51
